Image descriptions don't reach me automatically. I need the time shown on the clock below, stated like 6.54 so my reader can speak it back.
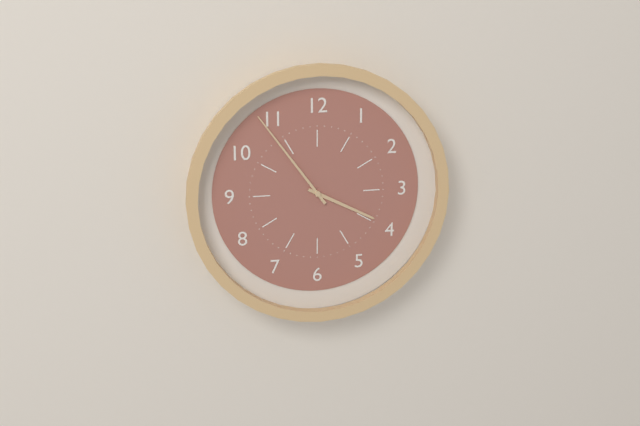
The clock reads 3.54
